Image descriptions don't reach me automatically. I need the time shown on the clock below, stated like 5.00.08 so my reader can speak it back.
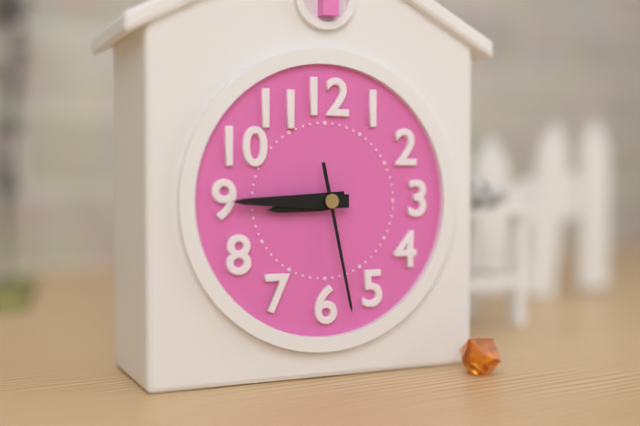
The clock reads 8.45.28
